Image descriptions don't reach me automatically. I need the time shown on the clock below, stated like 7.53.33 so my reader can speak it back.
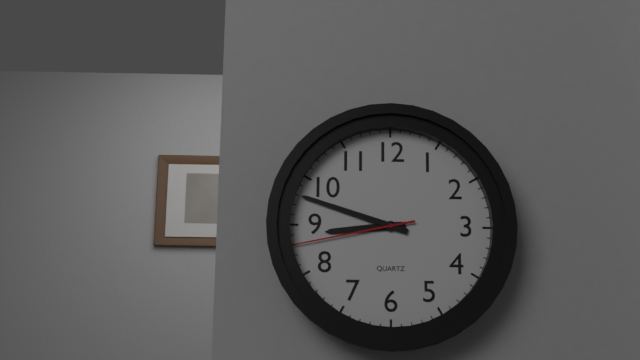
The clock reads 8.48.43
